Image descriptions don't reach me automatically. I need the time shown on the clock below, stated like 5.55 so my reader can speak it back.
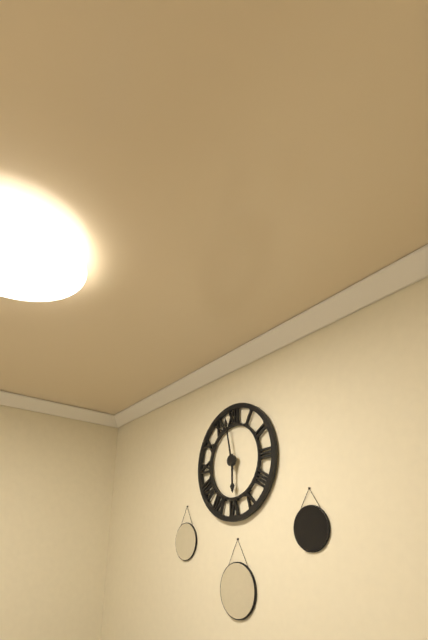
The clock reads 5.58
